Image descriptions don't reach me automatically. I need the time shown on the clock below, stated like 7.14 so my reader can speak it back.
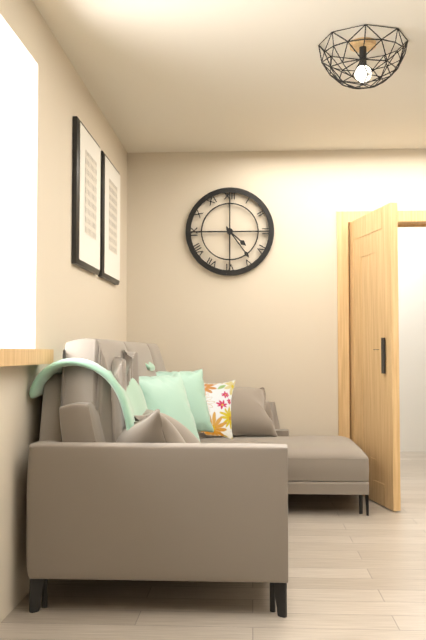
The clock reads 4.24
